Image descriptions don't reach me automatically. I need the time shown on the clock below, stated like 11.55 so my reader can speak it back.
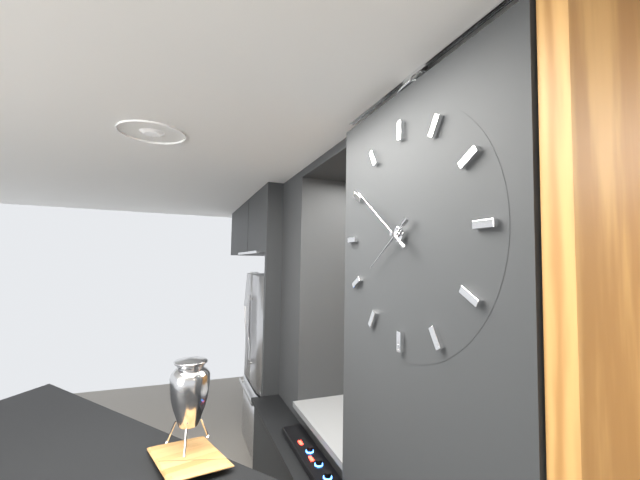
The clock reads 7.51
